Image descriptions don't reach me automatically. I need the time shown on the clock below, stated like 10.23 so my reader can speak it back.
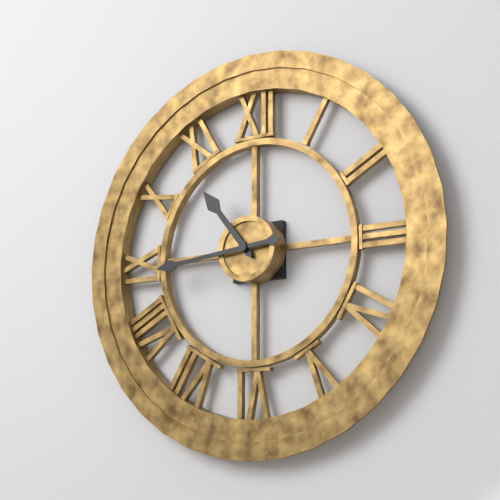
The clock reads 10.44
